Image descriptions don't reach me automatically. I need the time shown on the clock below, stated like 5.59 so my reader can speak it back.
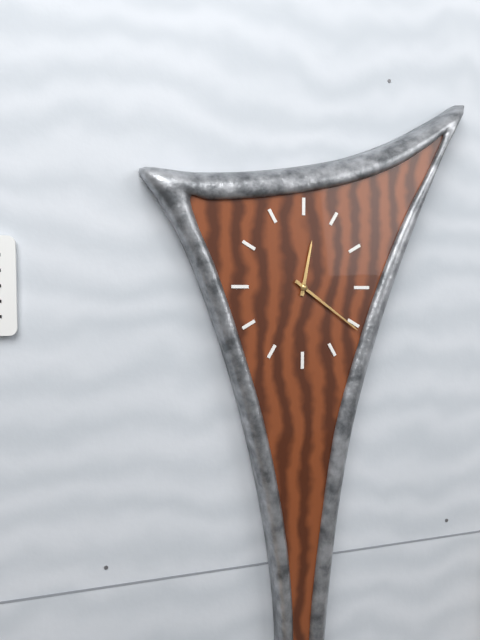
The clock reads 12.21
